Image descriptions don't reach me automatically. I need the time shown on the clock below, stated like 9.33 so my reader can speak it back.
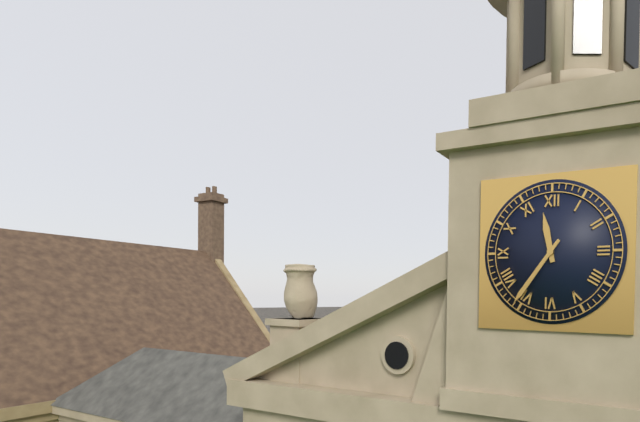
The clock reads 11.36
